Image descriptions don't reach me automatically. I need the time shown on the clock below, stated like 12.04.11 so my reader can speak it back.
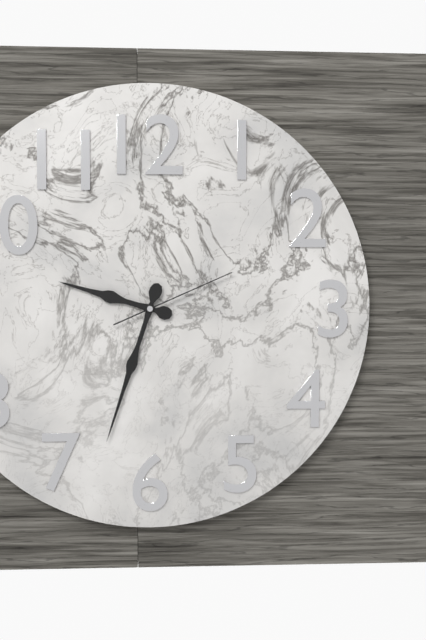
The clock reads 9.33.11
